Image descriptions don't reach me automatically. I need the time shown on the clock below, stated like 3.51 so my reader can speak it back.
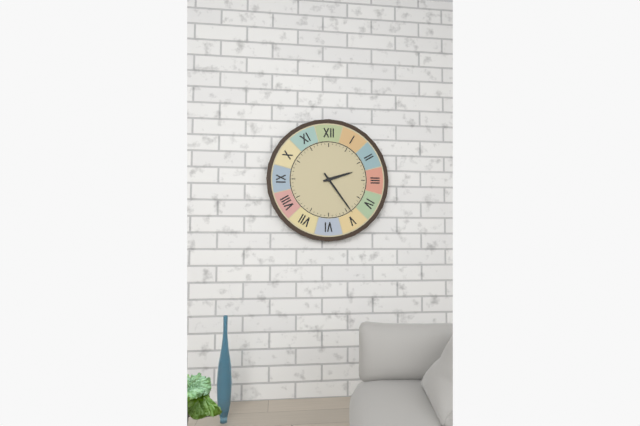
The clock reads 2.24
